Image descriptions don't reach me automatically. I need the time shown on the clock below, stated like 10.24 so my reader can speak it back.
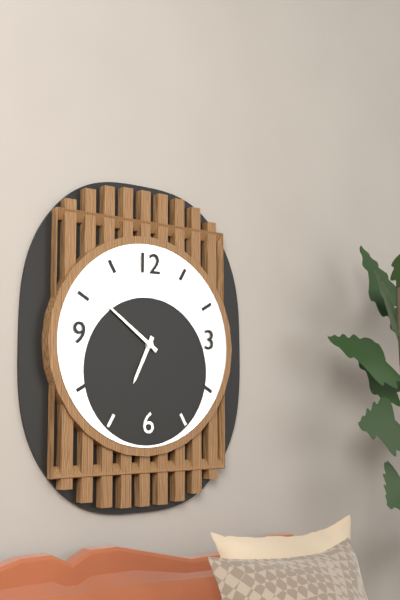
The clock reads 6.51
